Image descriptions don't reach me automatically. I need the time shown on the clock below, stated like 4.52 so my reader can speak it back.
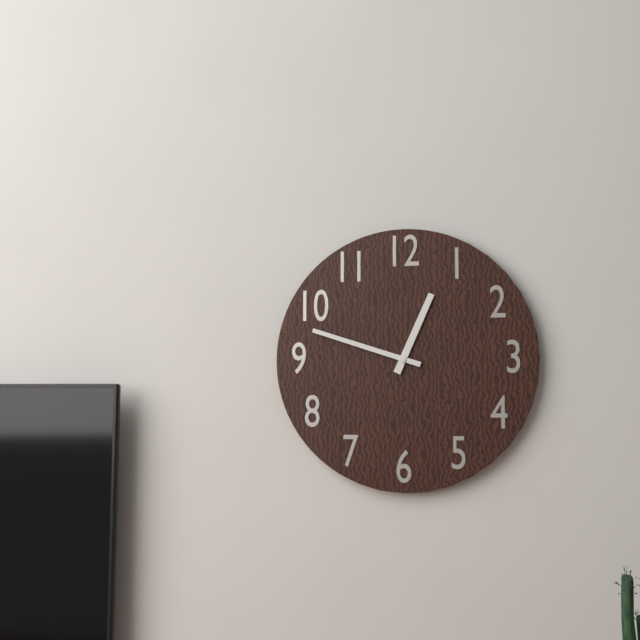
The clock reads 12.48
